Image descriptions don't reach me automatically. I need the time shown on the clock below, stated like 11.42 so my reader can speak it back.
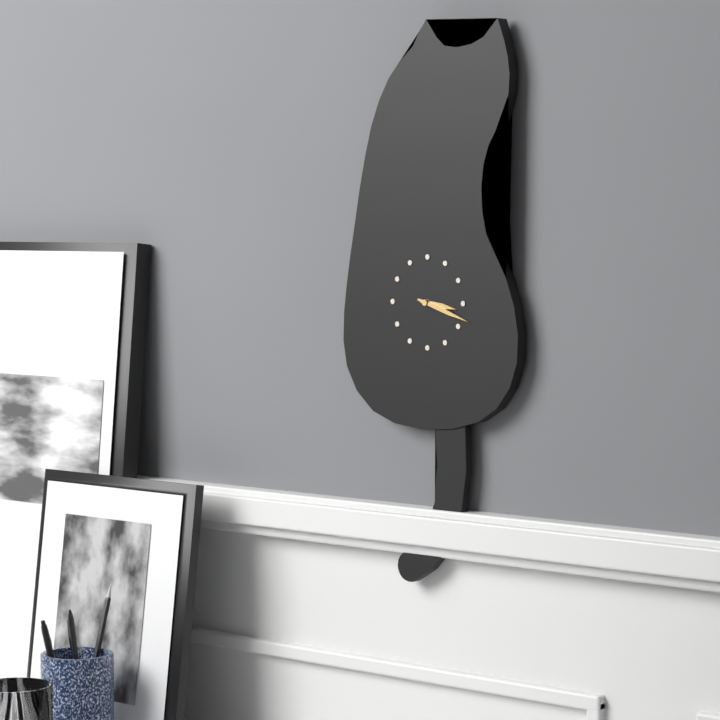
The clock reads 3.18
